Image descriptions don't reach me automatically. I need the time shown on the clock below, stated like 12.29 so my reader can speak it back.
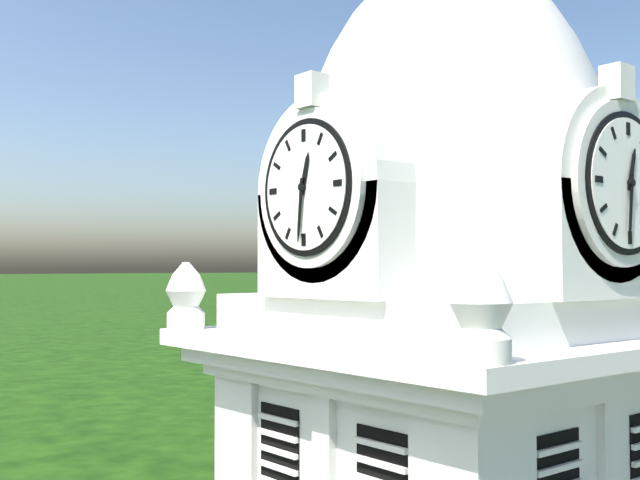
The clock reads 12.31
